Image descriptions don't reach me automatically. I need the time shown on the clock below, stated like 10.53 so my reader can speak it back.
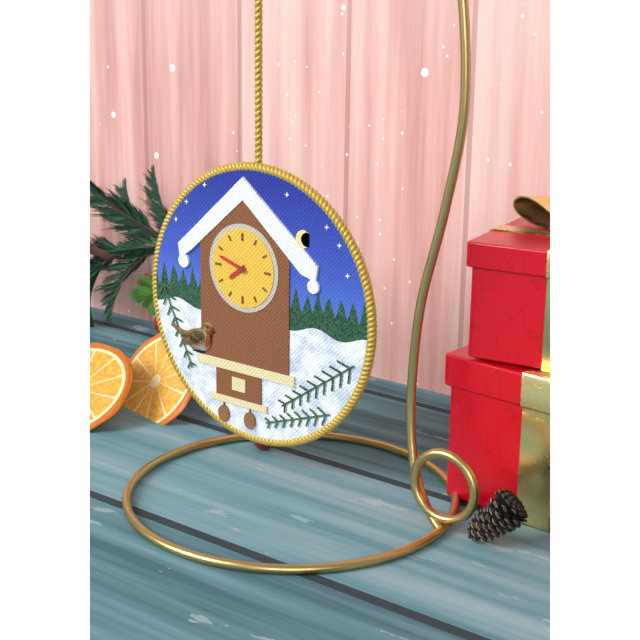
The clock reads 7.48
